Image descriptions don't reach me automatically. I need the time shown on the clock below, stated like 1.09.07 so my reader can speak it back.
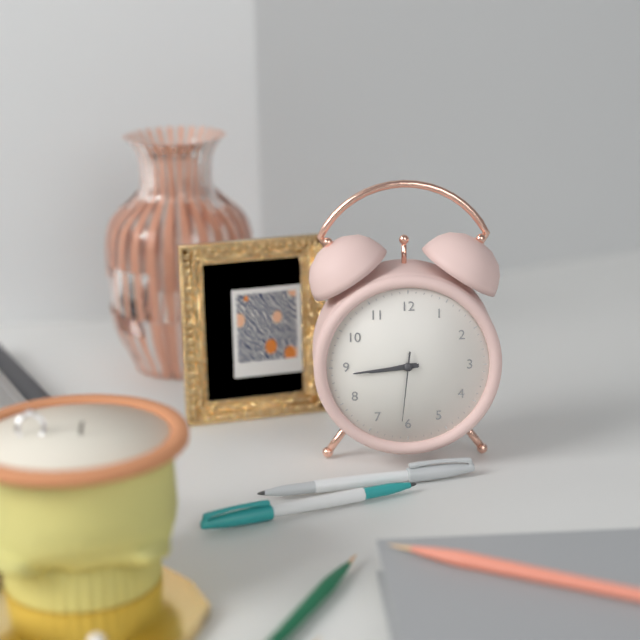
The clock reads 8.44.31
